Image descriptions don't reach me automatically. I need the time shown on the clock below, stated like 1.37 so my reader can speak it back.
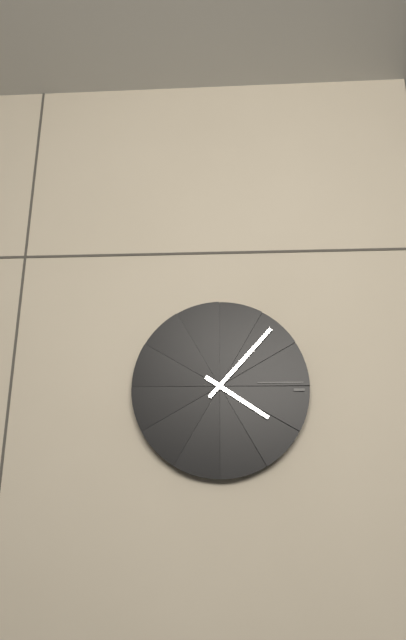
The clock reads 4.07
